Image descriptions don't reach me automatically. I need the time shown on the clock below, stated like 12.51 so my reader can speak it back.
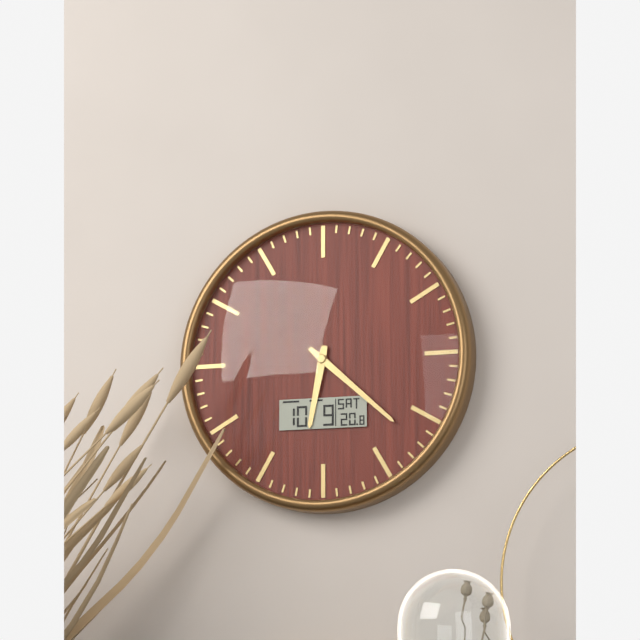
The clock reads 6.22
